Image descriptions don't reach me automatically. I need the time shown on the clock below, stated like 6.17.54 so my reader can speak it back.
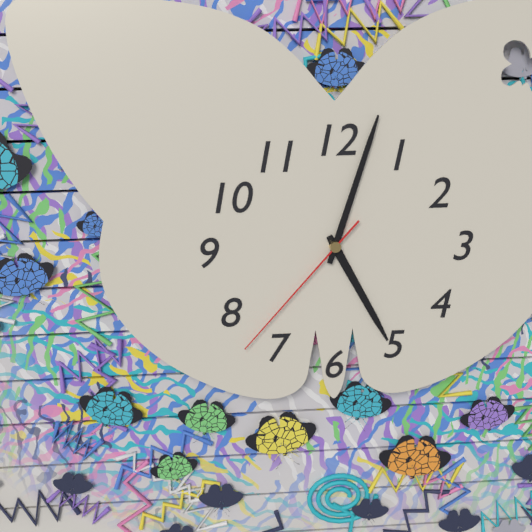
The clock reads 5.03.37
